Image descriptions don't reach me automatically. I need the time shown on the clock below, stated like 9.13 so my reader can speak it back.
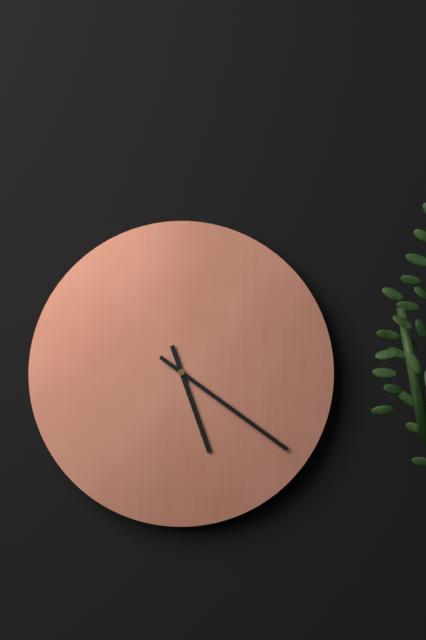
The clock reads 5.21
